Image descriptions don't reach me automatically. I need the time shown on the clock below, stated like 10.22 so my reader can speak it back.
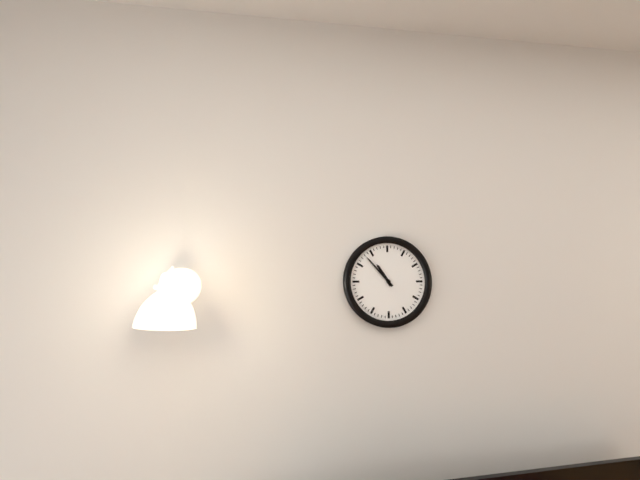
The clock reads 10.53
